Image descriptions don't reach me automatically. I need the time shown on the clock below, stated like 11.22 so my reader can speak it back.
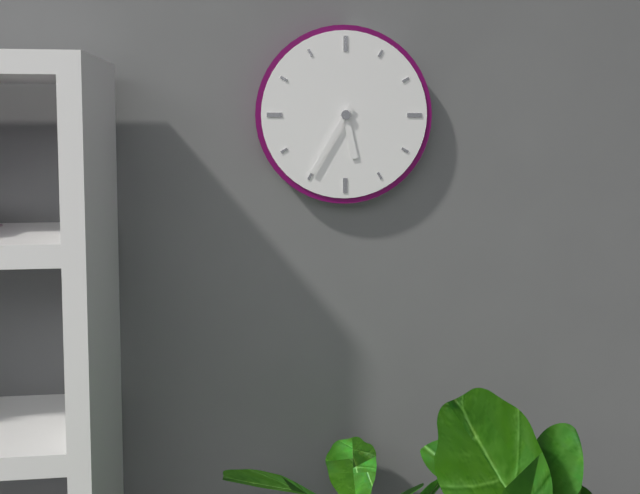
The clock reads 5.35
